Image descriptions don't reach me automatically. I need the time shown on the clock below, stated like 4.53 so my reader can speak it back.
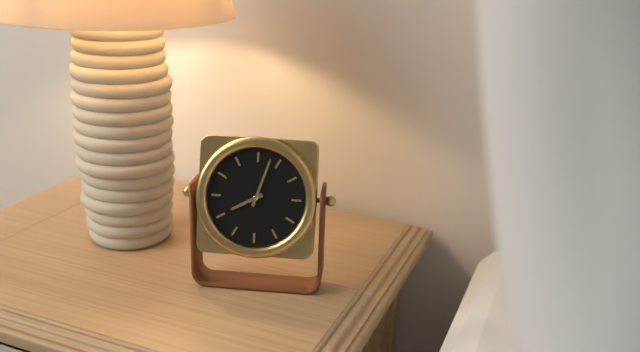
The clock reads 8.03
